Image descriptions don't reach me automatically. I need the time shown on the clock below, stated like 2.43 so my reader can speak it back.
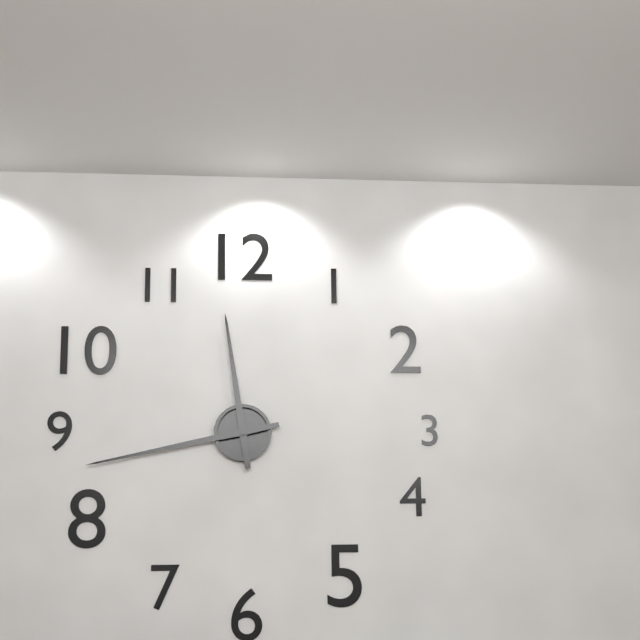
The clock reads 11.43
